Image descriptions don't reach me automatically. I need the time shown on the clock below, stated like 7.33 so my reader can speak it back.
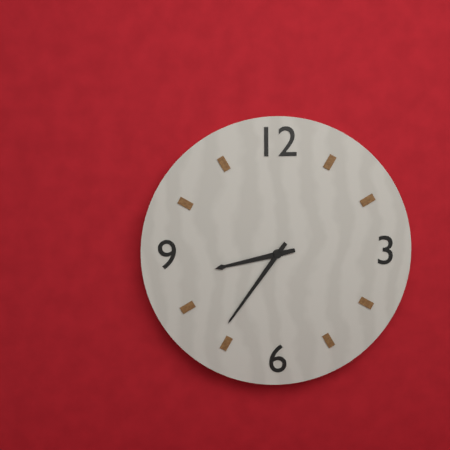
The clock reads 8.36
